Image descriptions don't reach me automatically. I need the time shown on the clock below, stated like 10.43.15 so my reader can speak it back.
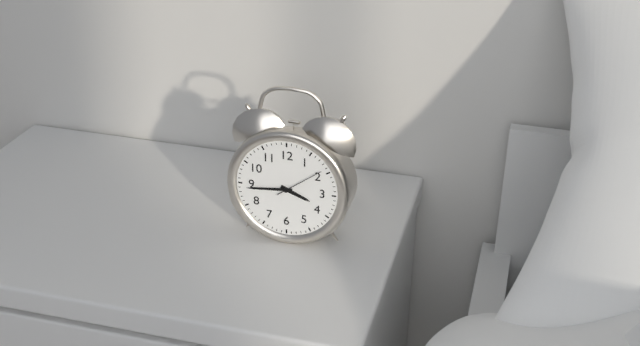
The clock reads 3.44.09
